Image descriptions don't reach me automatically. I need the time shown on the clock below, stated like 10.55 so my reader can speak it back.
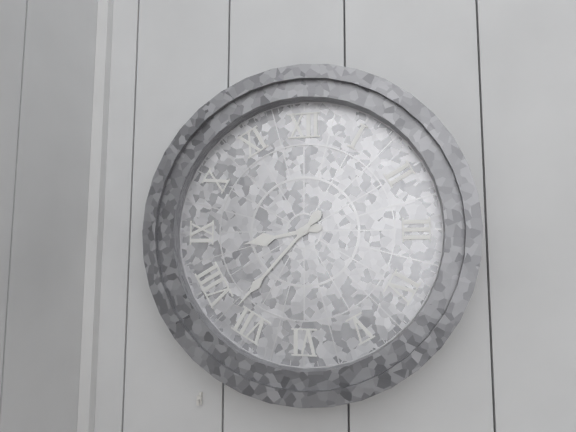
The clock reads 8.37
